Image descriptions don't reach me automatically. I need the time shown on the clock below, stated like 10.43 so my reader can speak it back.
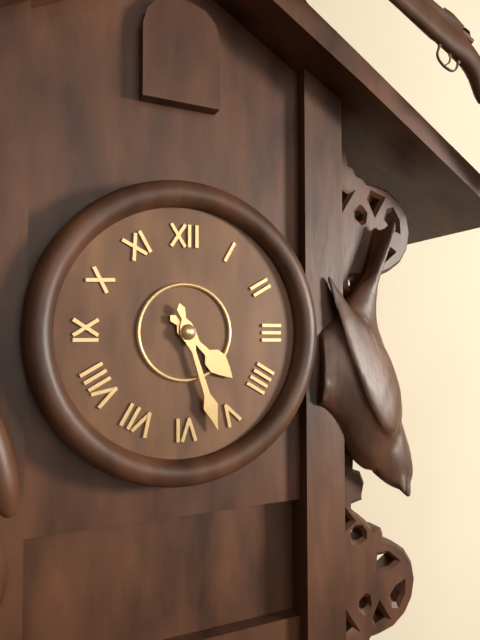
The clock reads 4.27
